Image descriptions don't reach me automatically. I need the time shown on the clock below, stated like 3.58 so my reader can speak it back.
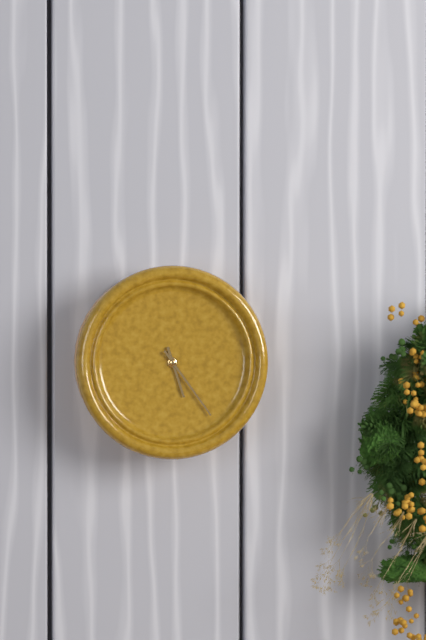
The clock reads 5.24
